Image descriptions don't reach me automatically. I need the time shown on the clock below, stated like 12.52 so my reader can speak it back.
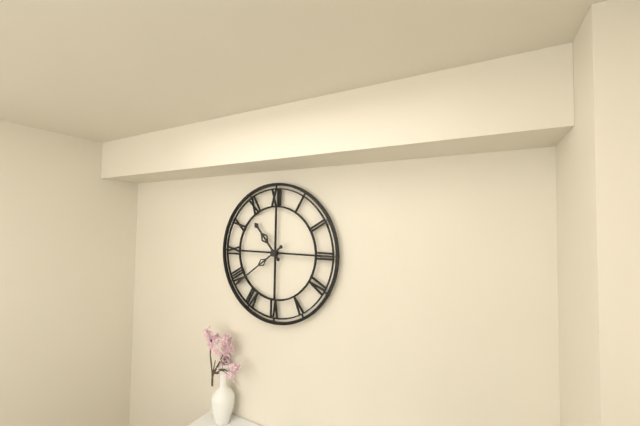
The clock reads 10.39
